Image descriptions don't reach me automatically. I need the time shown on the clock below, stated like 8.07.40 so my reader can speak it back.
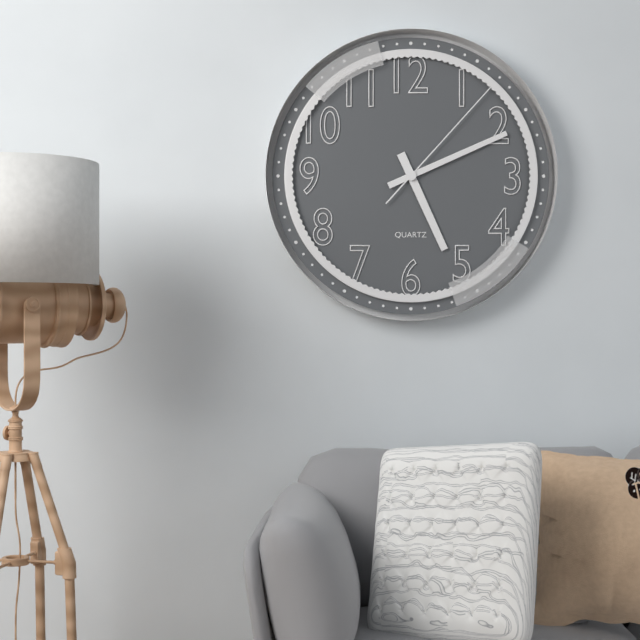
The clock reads 5.11.07
